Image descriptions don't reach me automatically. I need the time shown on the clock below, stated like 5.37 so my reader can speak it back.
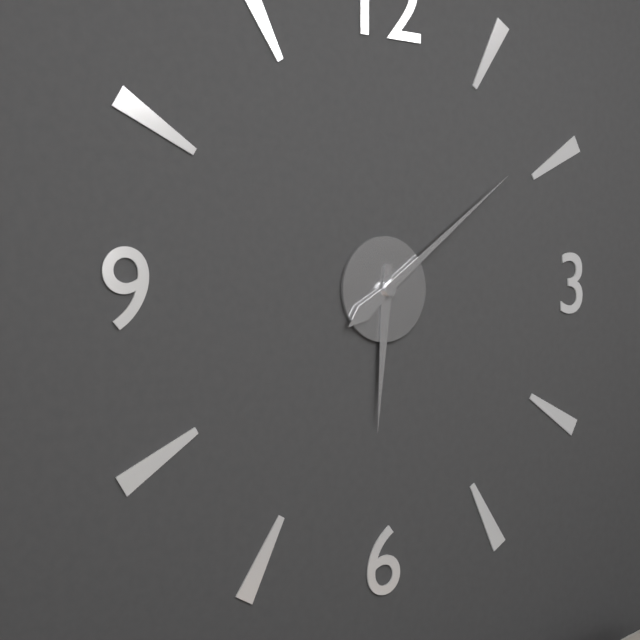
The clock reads 6.09
